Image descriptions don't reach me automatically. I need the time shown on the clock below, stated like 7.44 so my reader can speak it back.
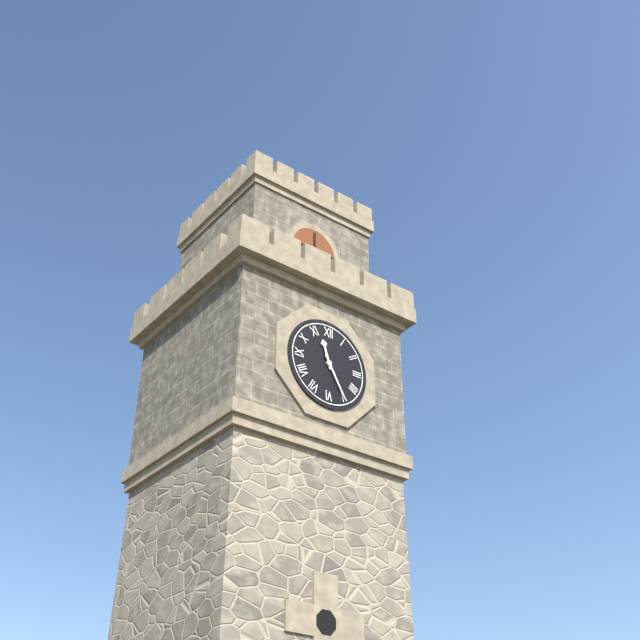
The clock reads 11.25
